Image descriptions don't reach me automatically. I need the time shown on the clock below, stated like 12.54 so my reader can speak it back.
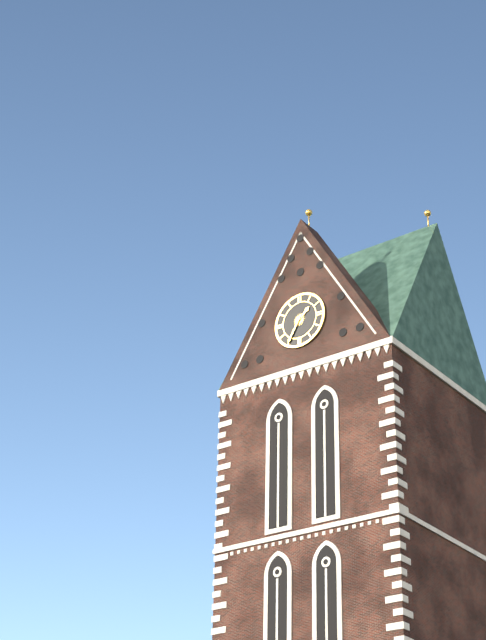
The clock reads 1.35
